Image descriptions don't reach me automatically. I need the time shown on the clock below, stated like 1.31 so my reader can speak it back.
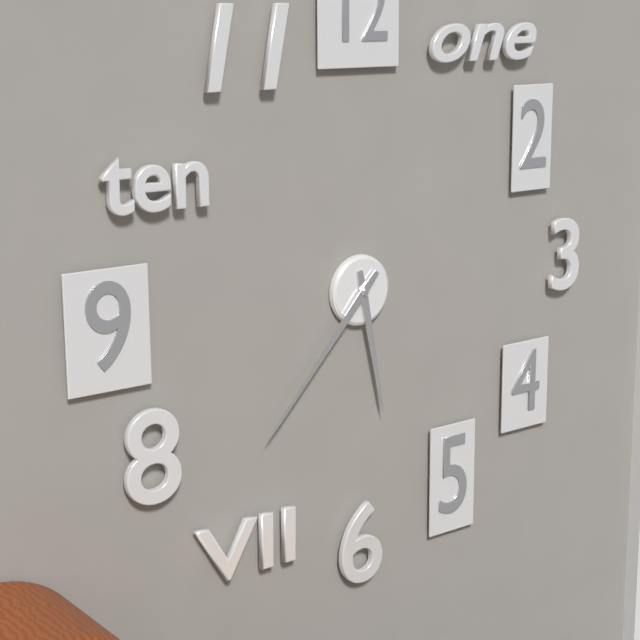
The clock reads 5.37
